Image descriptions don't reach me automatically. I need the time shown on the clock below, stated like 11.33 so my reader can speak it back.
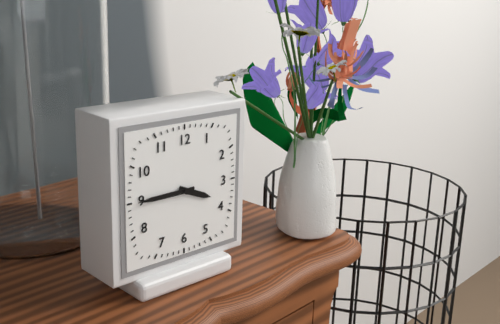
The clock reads 3.45
